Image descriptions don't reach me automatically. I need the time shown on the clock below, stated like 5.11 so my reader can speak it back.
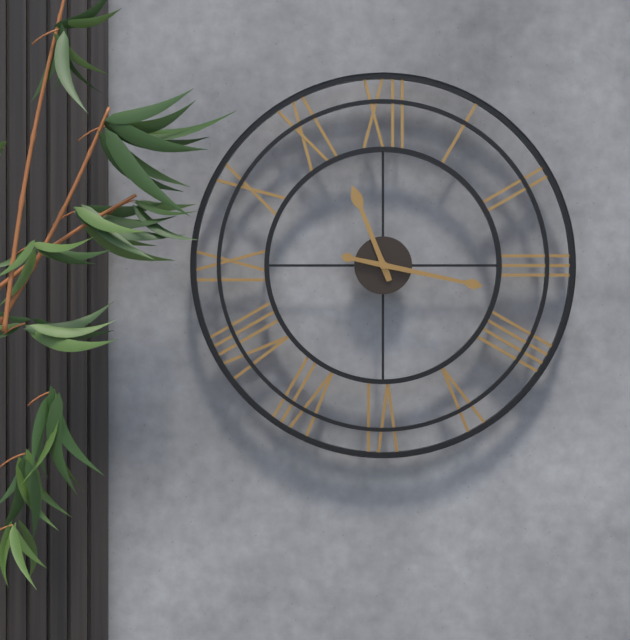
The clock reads 11.17
